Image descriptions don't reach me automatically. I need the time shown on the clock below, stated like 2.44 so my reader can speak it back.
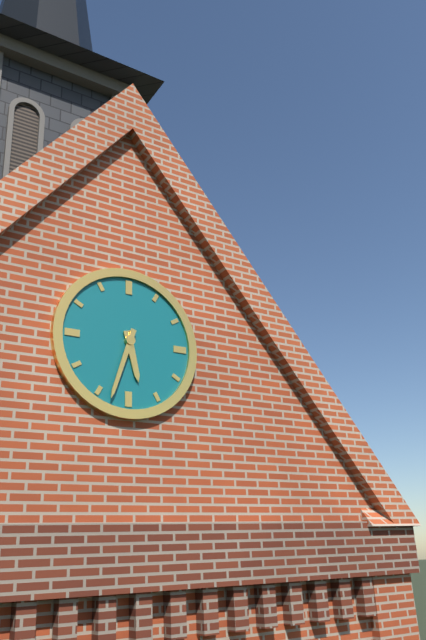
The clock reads 5.33
